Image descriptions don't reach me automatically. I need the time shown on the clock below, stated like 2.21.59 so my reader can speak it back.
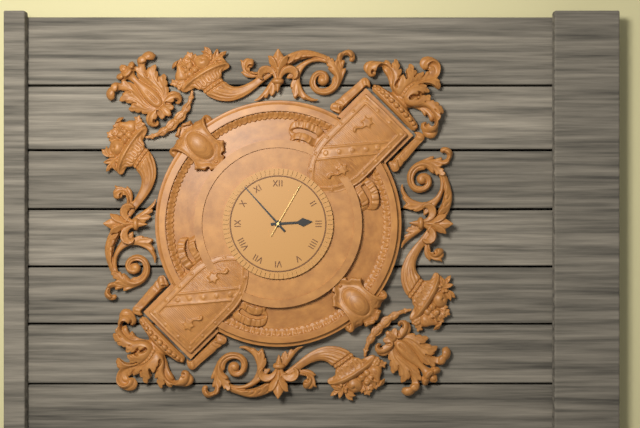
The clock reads 2.53.05
